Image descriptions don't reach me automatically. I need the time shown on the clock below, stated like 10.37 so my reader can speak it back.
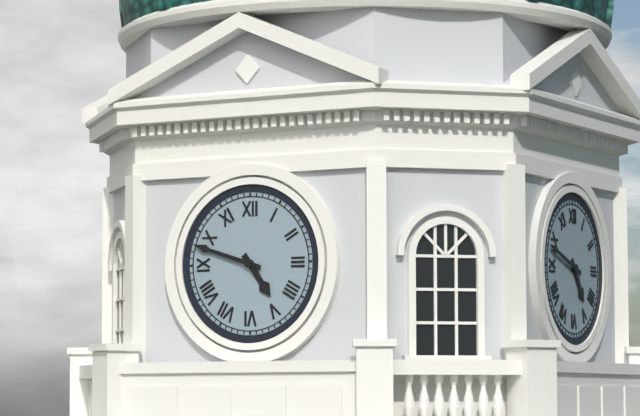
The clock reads 4.48
